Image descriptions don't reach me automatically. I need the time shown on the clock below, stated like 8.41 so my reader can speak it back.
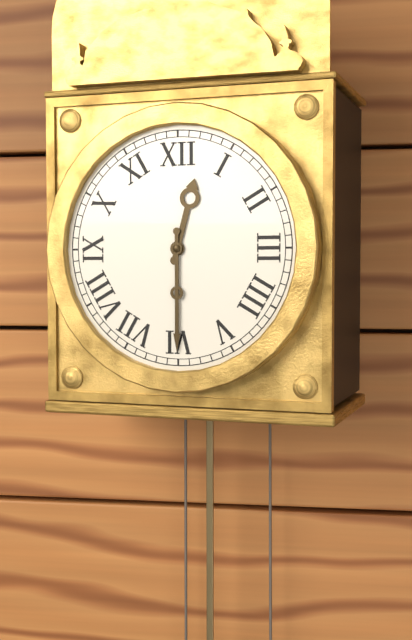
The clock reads 12.30
